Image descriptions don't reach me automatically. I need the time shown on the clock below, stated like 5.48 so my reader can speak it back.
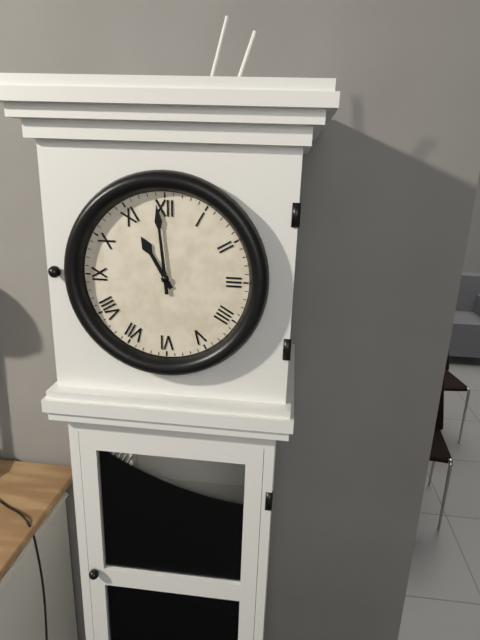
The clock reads 10.59
